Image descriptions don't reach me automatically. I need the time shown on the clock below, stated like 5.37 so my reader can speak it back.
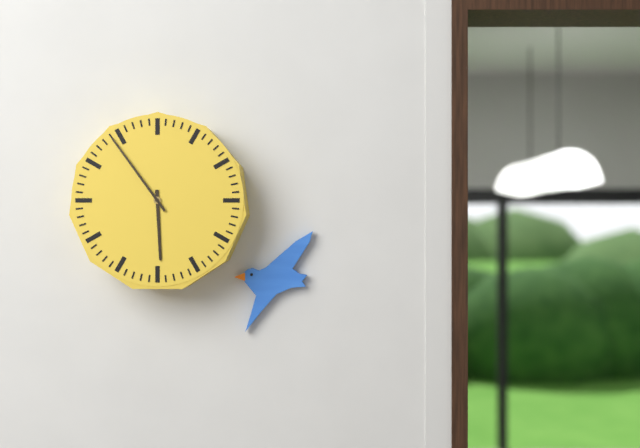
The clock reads 5.54
